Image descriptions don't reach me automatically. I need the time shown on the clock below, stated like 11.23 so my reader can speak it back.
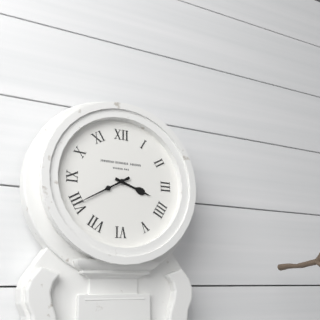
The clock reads 3.40
